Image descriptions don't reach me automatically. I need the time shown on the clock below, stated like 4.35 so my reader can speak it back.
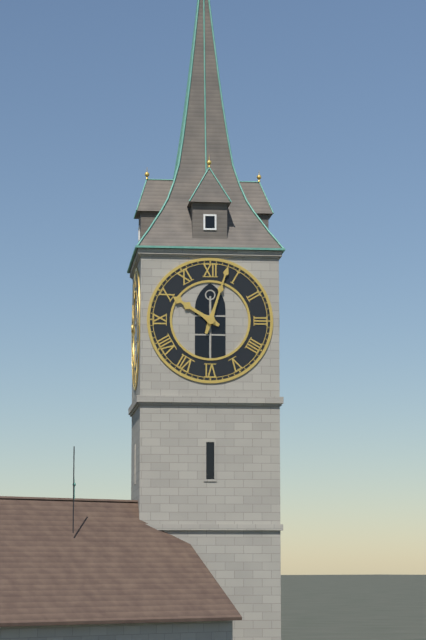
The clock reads 10.03
